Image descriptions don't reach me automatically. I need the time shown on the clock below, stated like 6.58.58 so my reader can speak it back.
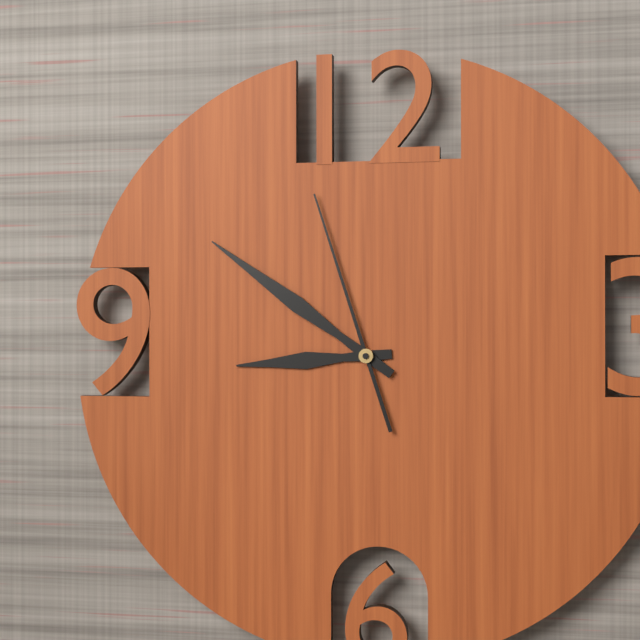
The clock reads 8.51.57
